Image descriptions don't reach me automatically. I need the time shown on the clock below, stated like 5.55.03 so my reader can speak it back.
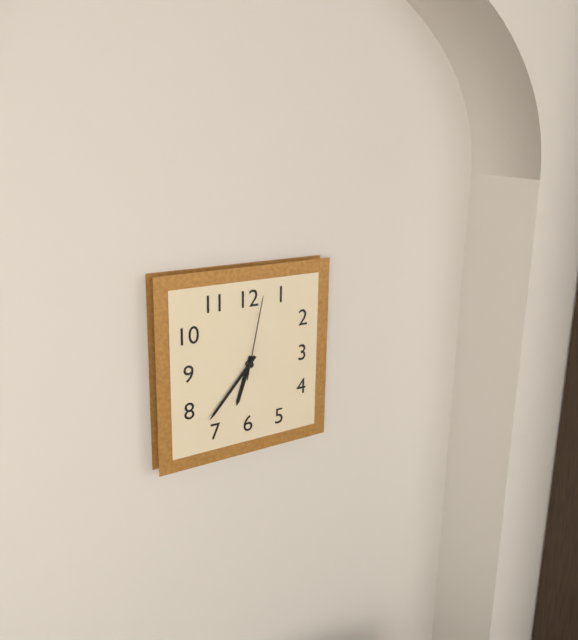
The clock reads 6.37.02
